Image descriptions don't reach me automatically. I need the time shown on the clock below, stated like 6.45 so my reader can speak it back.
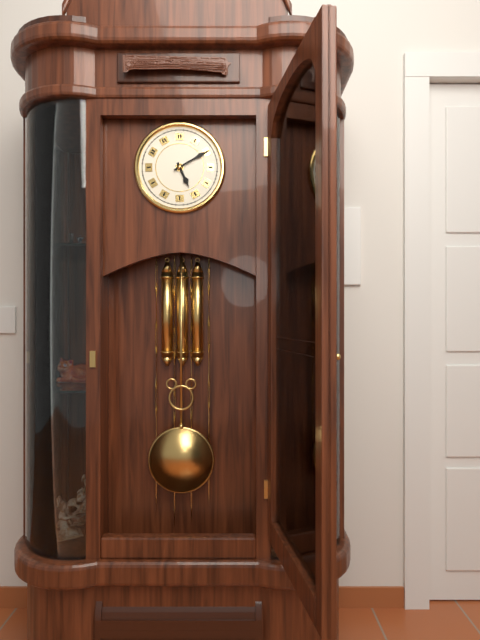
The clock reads 5.10
